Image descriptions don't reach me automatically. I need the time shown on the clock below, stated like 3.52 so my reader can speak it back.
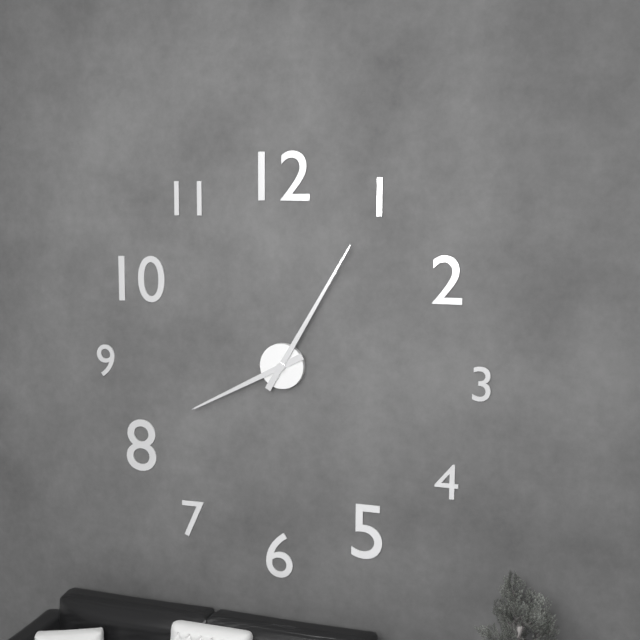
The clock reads 8.05
